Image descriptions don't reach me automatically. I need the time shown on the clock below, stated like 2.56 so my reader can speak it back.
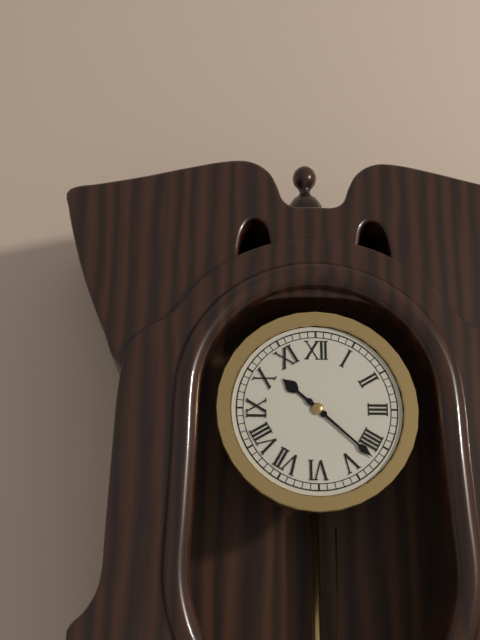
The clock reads 10.22
